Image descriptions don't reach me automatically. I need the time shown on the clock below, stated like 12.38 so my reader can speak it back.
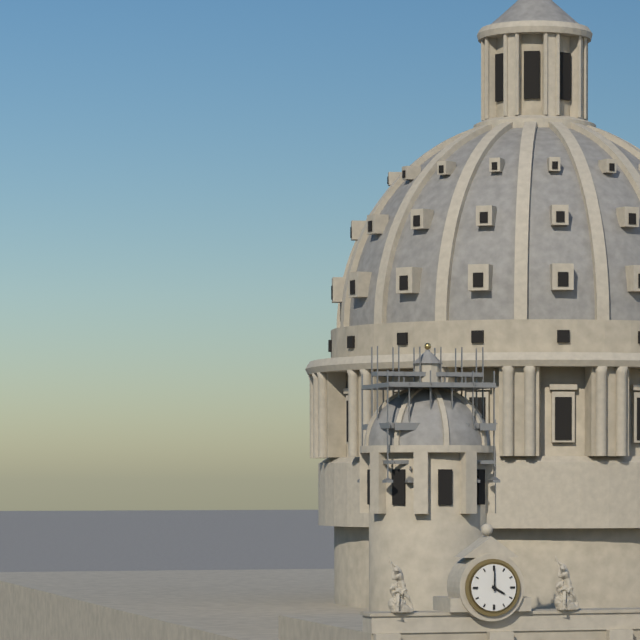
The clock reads 4.00
